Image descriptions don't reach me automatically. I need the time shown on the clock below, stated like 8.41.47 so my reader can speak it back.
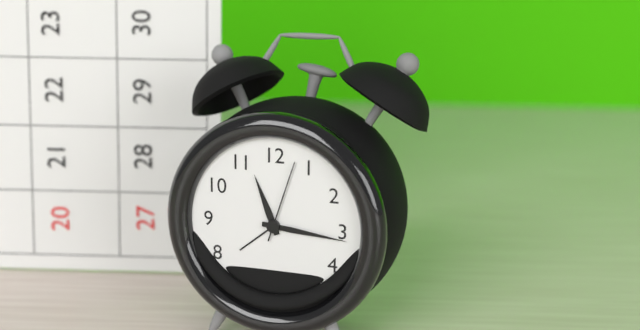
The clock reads 11.16.03
